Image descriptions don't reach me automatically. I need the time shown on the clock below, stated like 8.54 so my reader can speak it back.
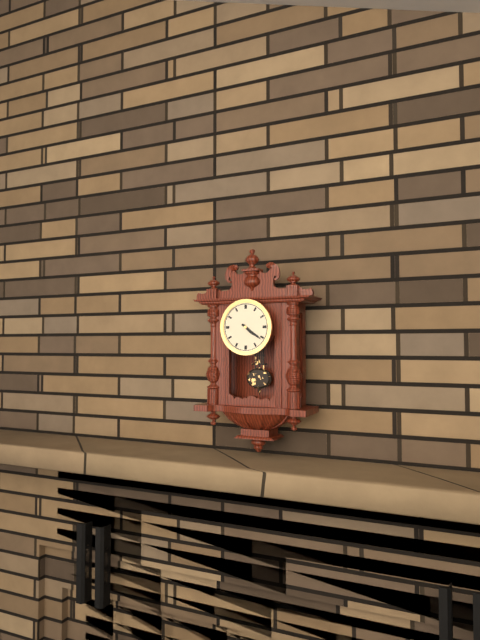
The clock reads 4.21
